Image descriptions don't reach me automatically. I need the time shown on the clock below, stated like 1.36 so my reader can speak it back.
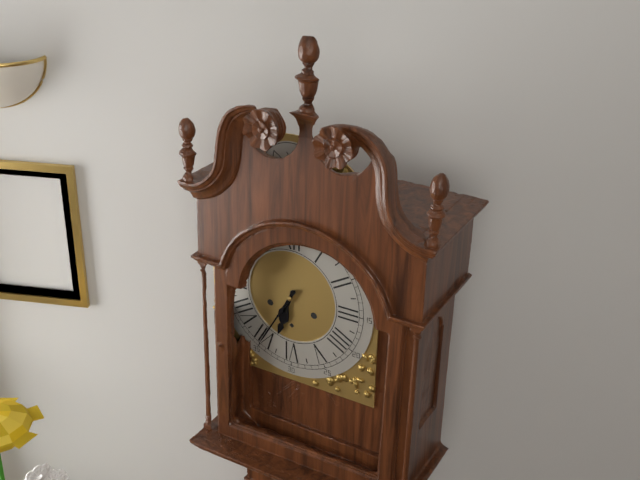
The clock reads 6.35
